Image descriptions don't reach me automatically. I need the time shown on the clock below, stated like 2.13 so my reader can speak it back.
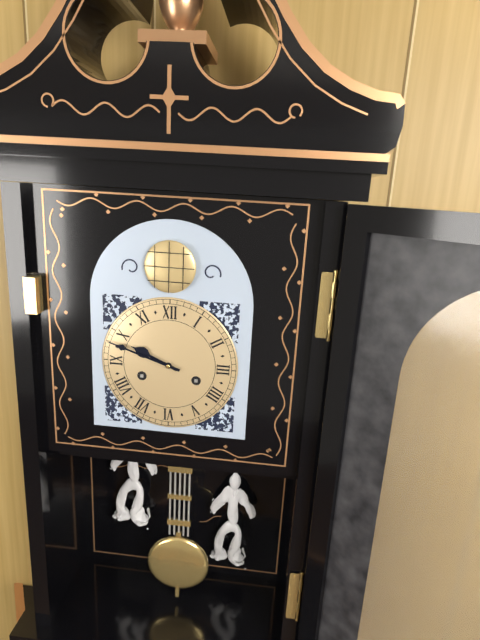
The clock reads 9.48
